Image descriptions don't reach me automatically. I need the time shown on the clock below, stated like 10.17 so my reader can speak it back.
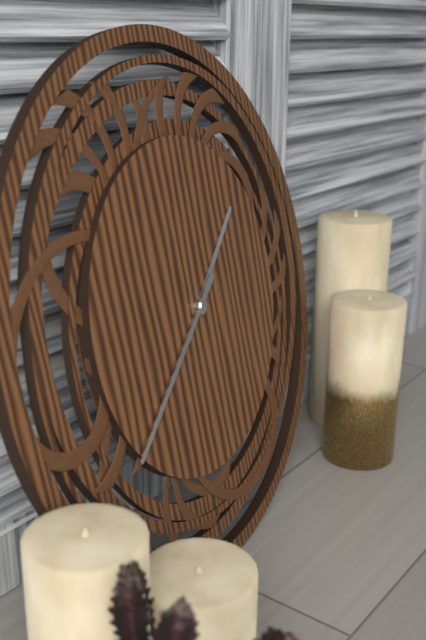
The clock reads 1.39
